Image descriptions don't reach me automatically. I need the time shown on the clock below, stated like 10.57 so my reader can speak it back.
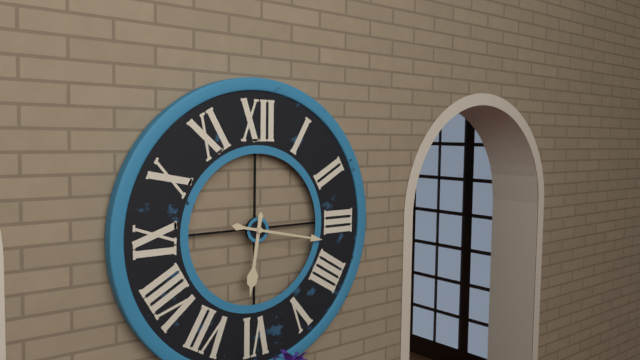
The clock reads 6.17
